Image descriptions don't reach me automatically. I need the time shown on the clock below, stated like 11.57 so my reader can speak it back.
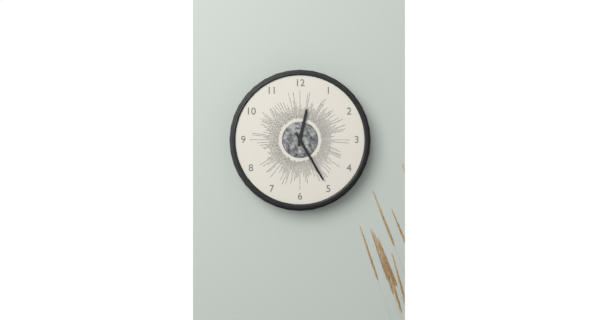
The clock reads 12.25
